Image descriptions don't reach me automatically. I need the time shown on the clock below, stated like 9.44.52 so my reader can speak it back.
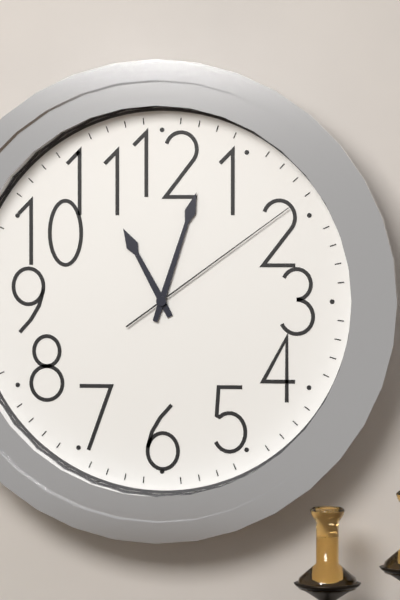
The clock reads 11.03.09
